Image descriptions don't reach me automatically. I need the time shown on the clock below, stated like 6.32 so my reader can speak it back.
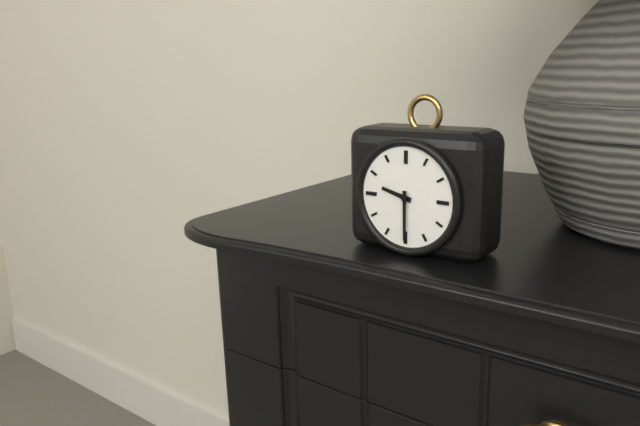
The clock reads 9.30
